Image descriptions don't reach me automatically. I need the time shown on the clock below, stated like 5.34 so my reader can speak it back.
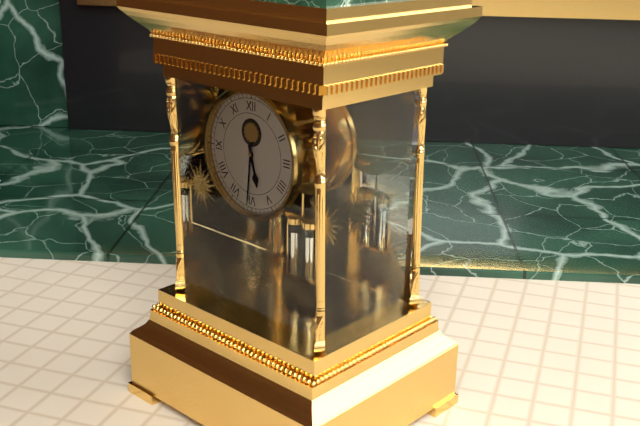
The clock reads 5.31
